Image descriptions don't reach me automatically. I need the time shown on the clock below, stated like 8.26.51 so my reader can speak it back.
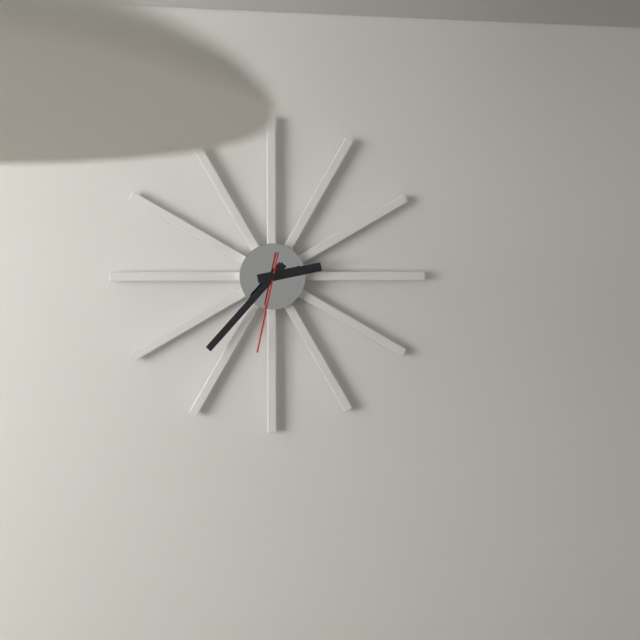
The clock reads 2.37.32
